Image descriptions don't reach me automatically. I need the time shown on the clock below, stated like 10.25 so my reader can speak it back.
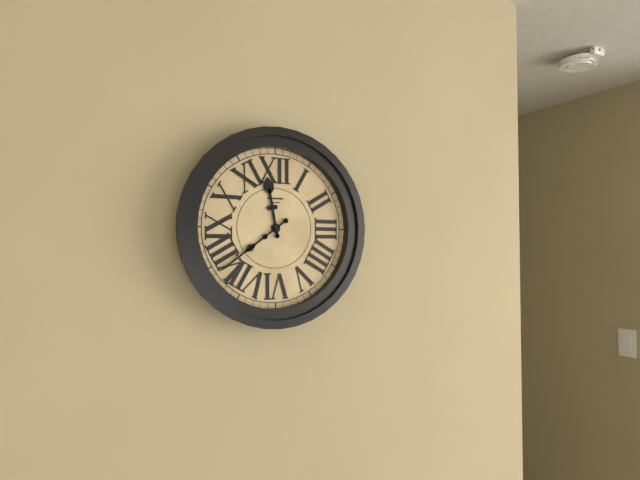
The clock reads 11.39
